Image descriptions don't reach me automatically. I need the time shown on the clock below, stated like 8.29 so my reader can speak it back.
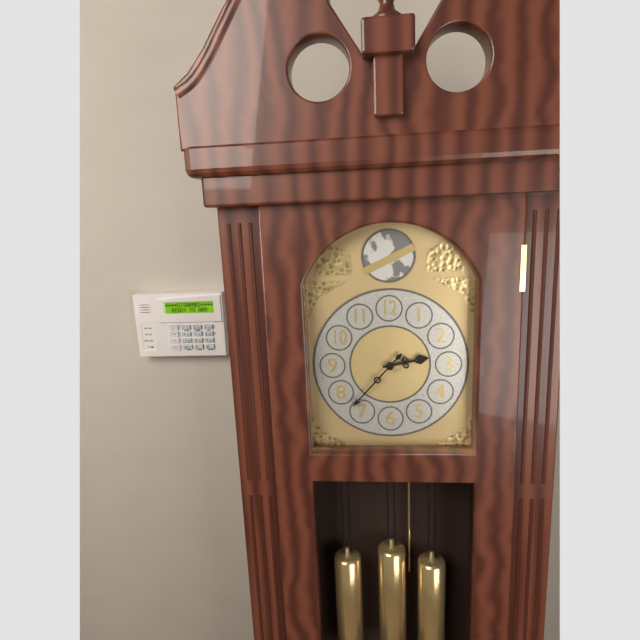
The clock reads 2.37
